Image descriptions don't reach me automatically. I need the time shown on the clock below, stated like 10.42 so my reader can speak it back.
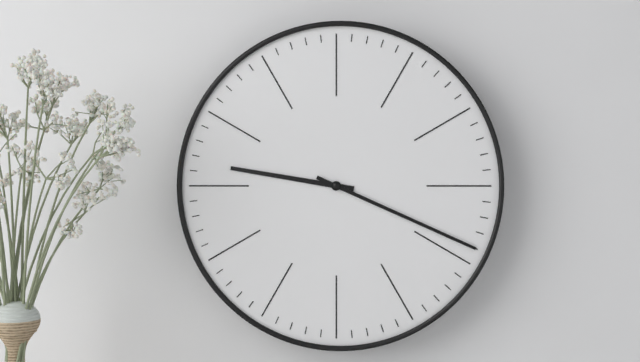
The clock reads 9.19
